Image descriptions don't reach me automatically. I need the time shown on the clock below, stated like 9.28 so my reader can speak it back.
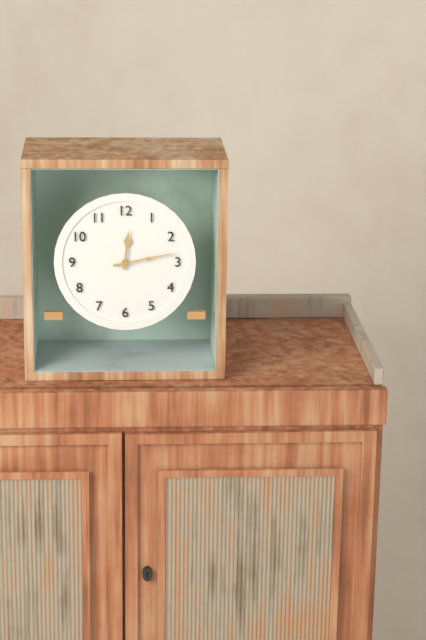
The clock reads 12.13
